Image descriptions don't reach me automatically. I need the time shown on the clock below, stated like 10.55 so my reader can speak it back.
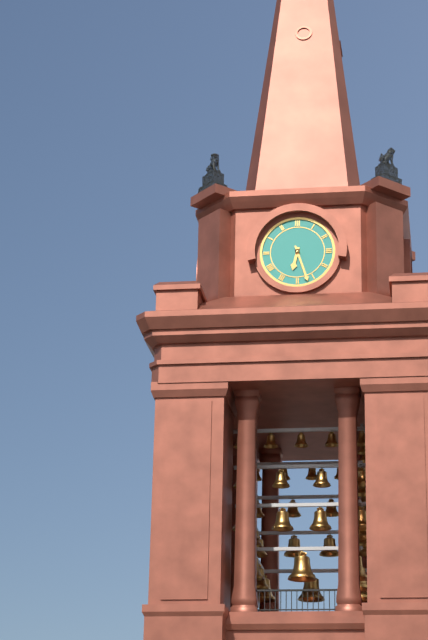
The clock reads 6.27
